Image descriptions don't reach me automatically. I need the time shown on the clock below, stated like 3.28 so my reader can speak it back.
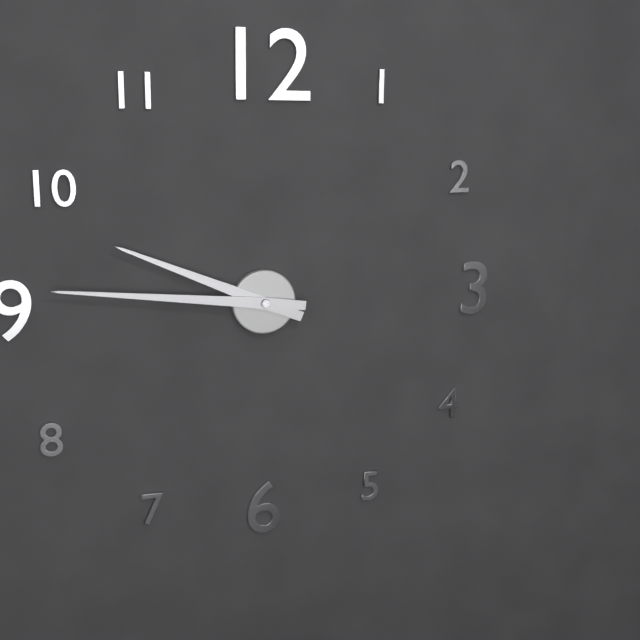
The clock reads 9.46
